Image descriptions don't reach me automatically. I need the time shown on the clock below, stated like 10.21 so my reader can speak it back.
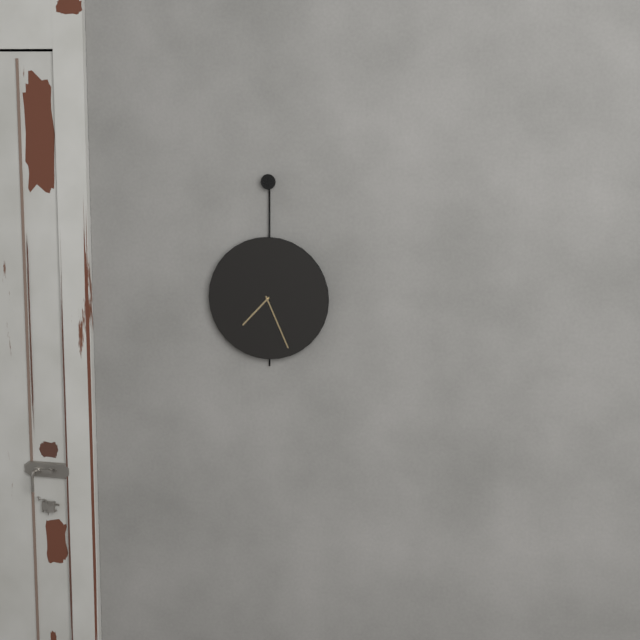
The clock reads 7.26
